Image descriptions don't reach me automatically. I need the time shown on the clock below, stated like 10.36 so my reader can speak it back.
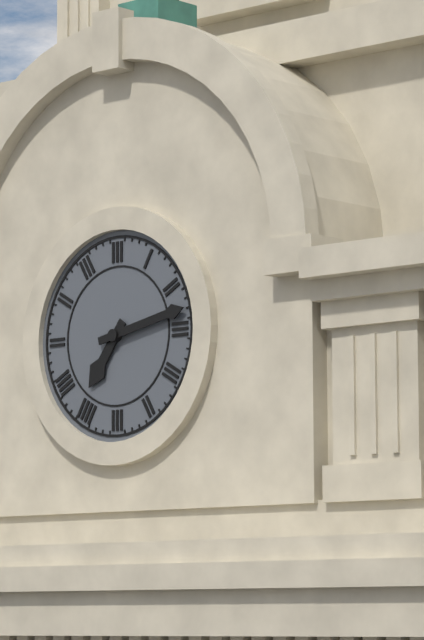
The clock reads 7.13
